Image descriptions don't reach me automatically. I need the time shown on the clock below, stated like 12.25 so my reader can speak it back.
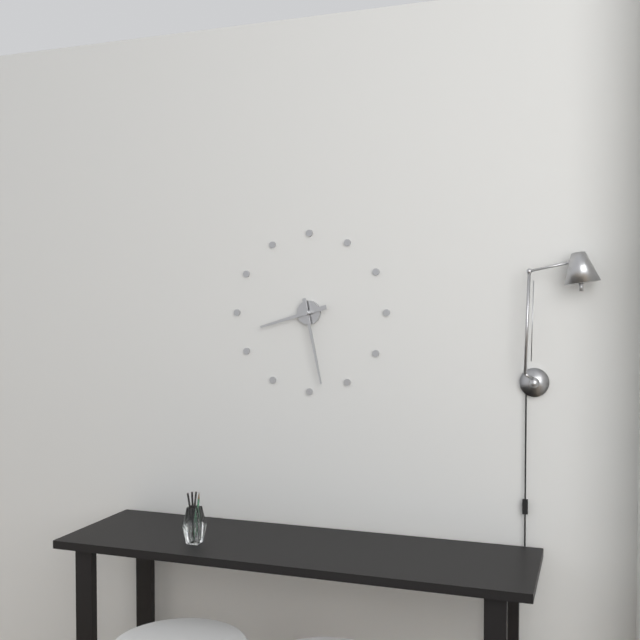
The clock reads 8.28
